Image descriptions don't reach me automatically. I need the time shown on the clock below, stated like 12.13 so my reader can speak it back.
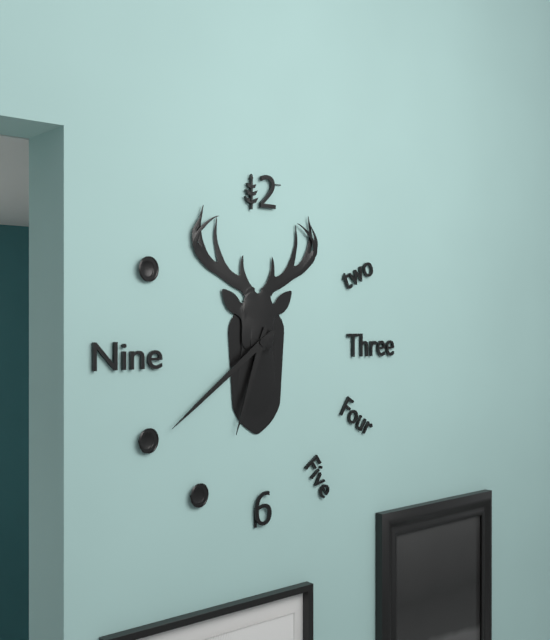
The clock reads 6.39
